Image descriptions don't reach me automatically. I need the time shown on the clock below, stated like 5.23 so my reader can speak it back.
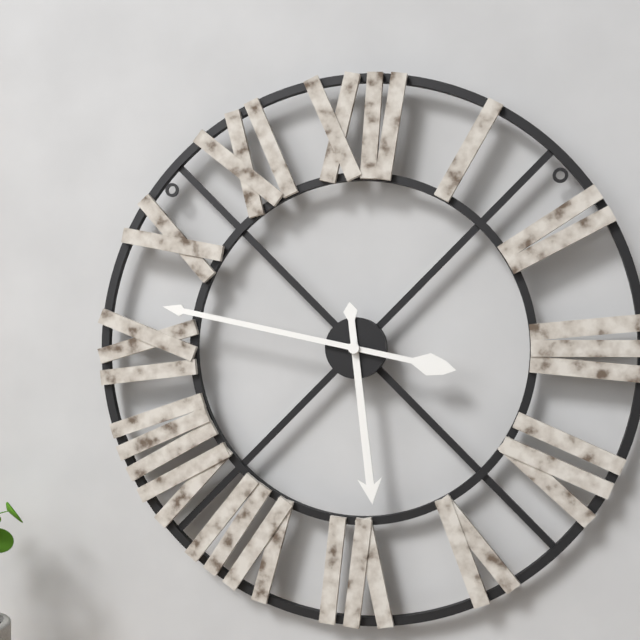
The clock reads 5.47
